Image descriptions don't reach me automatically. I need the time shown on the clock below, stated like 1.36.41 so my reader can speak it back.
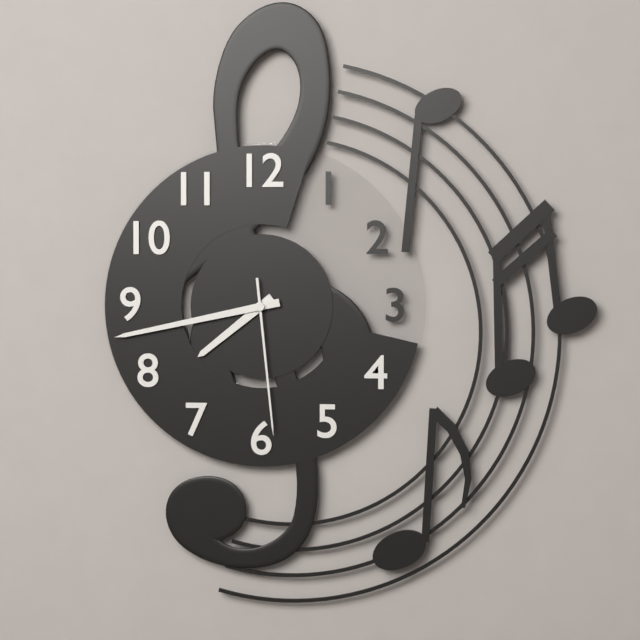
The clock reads 7.43.29
